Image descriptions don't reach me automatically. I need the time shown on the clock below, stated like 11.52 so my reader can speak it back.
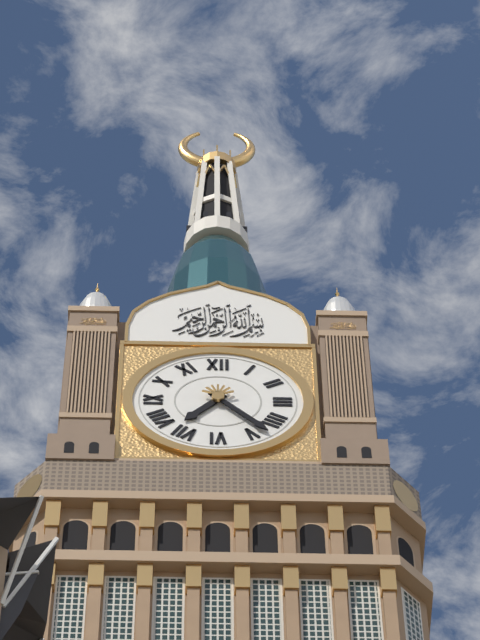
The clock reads 7.23
